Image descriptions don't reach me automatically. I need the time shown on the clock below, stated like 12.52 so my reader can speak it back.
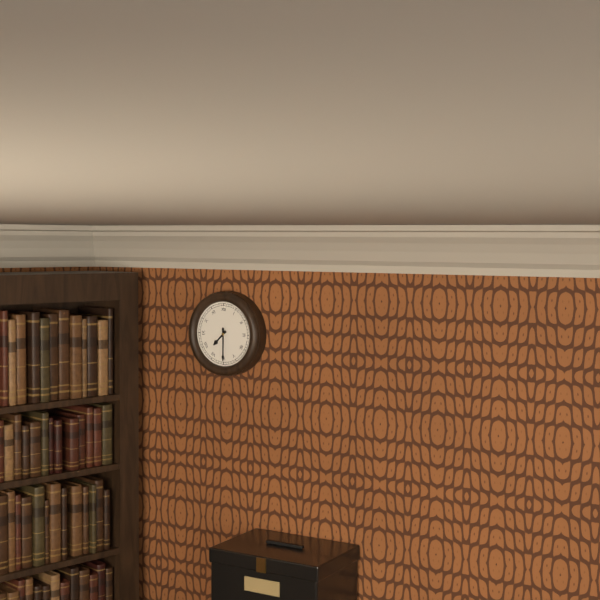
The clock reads 7.30
